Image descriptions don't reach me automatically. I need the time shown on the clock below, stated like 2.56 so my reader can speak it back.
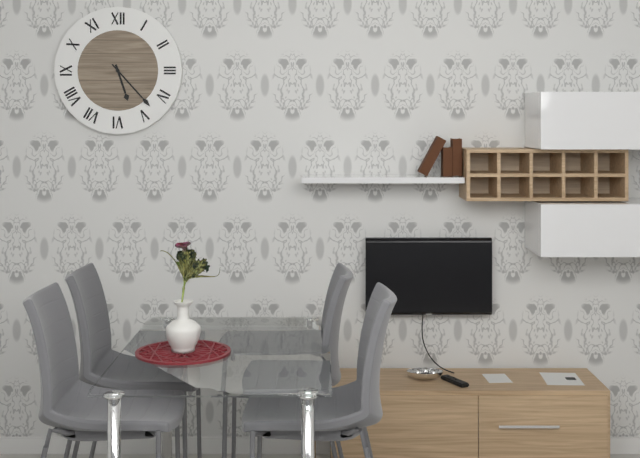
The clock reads 5.23
